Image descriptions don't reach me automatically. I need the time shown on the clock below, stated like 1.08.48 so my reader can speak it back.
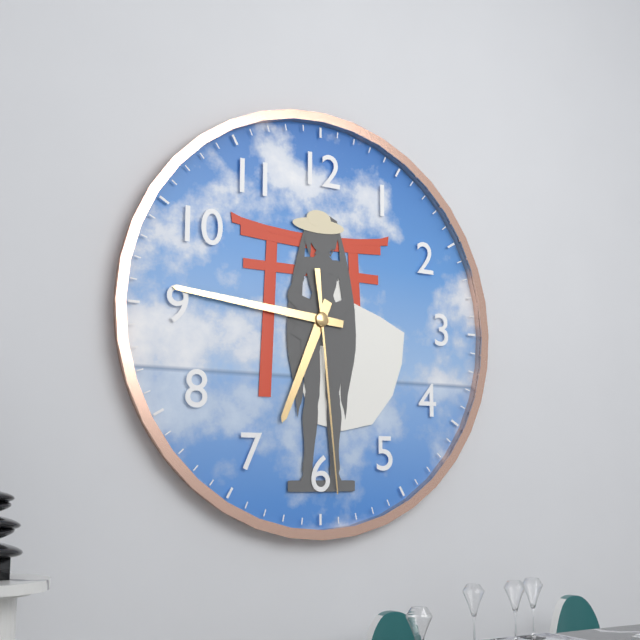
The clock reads 6.46.29
